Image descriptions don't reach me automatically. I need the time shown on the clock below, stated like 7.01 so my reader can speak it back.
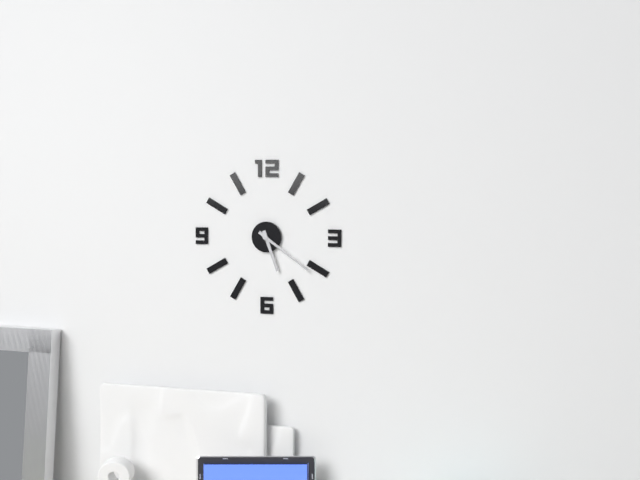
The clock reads 5.21
